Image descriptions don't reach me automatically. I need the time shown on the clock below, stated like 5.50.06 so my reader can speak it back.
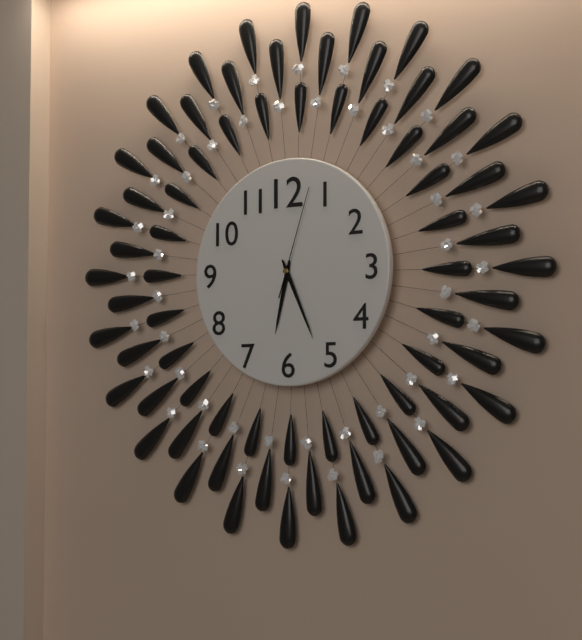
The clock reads 6.26.03
